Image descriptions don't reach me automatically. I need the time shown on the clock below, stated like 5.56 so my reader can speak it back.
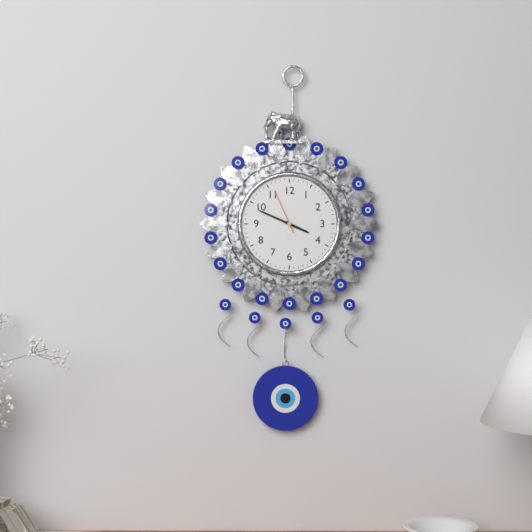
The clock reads 3.49
